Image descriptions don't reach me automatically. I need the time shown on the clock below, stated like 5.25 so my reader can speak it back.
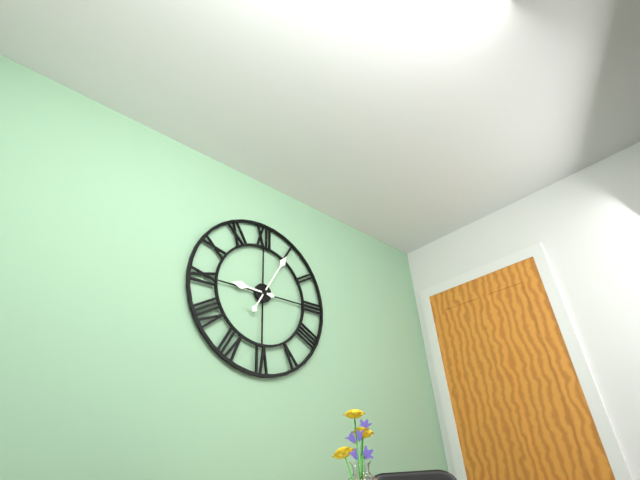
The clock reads 9.05
